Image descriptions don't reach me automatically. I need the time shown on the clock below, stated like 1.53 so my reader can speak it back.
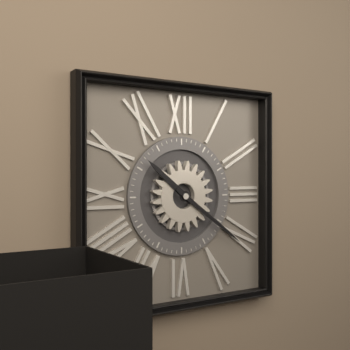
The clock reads 10.21
